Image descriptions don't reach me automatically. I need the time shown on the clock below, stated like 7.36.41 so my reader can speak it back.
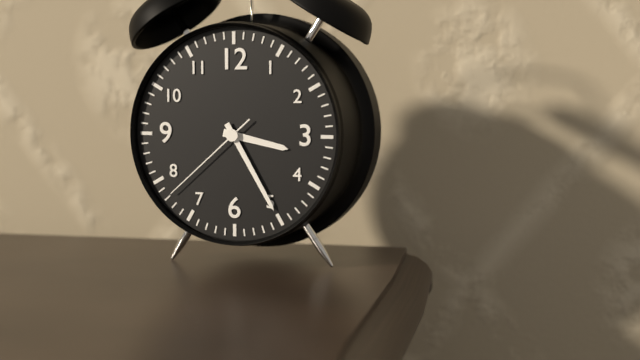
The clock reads 3.25.38
